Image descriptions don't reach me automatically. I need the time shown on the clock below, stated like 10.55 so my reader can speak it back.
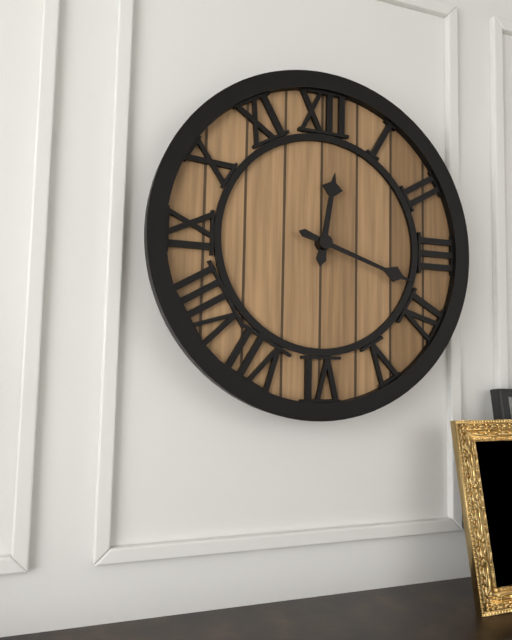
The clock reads 12.18
